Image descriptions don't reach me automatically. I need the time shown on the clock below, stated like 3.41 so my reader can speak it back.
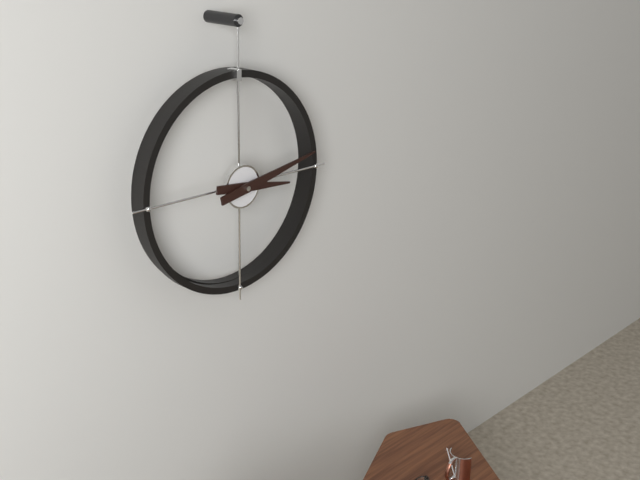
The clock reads 3.13
